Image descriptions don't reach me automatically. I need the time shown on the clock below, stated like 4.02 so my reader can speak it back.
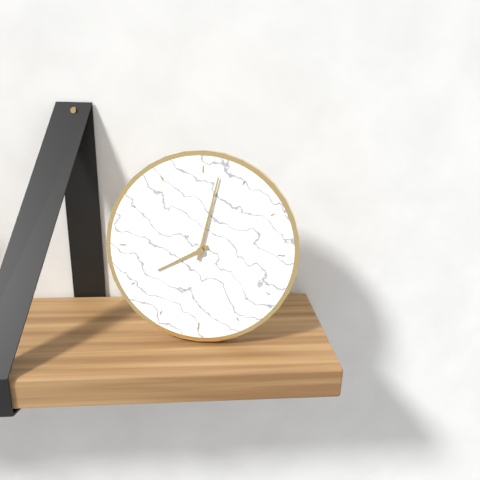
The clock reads 8.02
